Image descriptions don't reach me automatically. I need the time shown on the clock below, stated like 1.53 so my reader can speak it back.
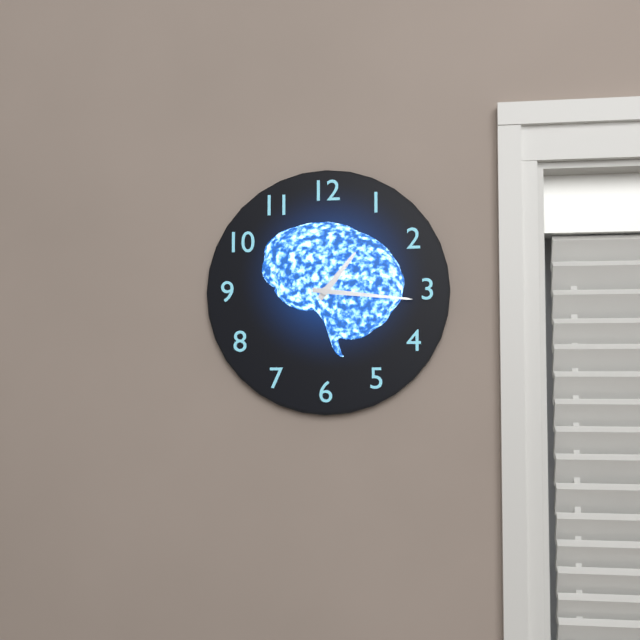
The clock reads 1.16
